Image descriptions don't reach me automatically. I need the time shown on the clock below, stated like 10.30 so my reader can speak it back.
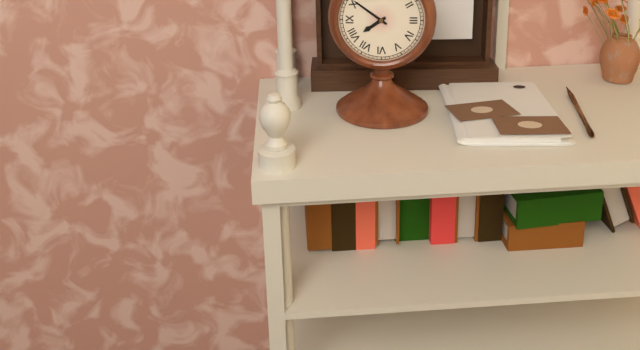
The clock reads 7.51
